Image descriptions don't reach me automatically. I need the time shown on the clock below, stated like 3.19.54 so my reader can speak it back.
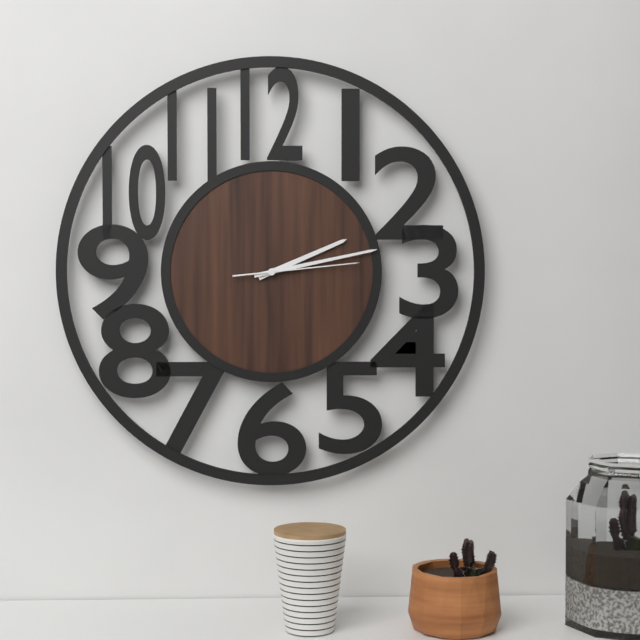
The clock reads 2.13.14
